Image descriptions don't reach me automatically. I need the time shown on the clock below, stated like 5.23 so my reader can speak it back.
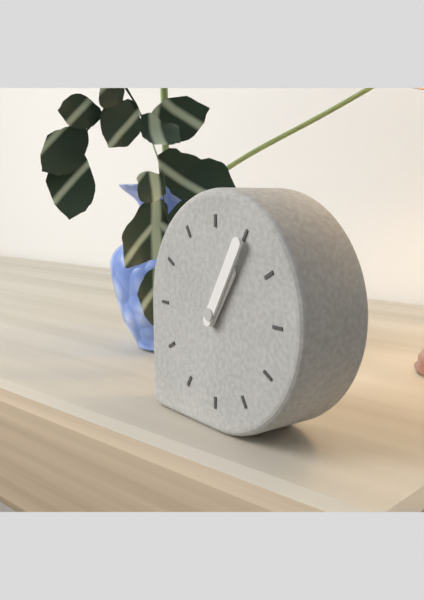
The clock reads 1.05
